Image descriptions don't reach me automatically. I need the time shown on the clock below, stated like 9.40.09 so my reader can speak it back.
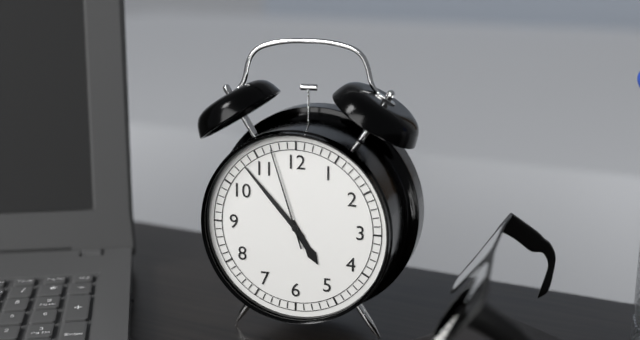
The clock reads 4.53.57
